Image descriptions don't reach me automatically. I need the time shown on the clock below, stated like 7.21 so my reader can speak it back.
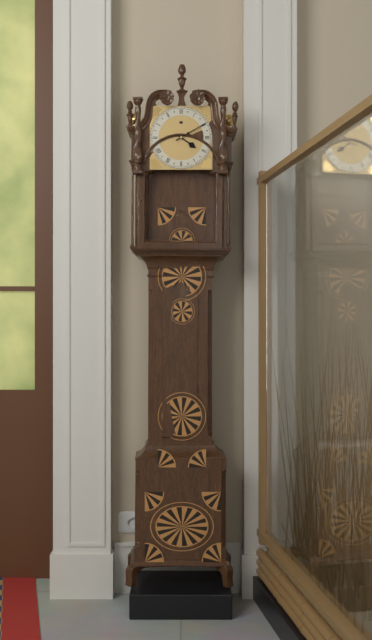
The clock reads 4.10
